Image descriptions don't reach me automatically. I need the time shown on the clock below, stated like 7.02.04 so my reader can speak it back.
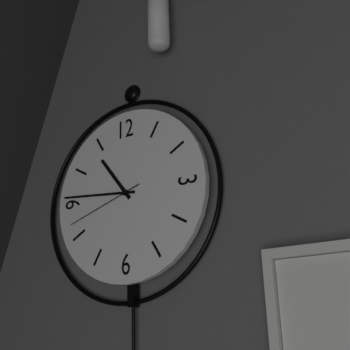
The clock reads 10.46.42
